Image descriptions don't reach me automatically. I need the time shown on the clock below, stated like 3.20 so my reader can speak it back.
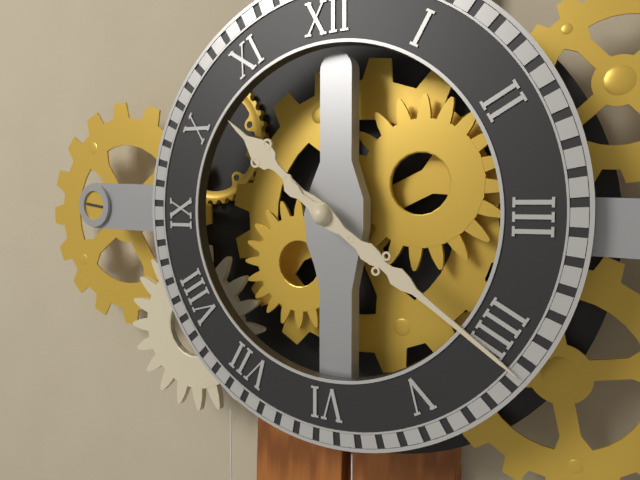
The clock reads 10.21
